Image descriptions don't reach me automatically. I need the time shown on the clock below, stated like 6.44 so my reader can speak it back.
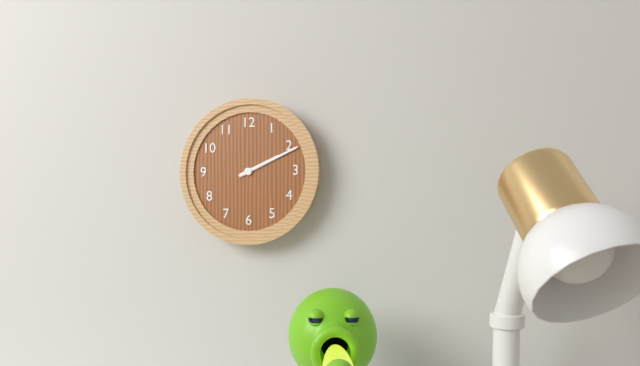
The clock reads 2.11
